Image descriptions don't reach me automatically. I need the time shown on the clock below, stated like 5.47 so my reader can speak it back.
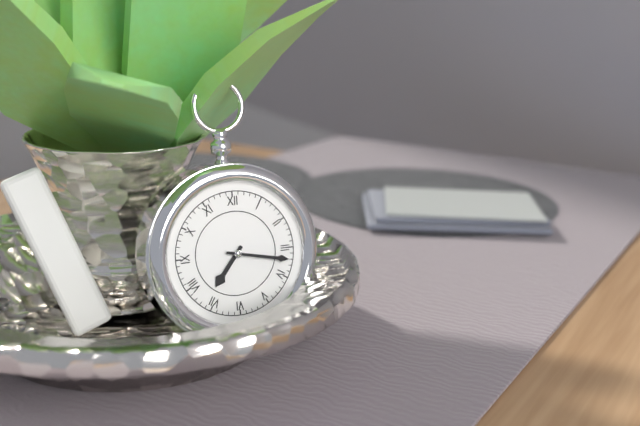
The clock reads 7.17
